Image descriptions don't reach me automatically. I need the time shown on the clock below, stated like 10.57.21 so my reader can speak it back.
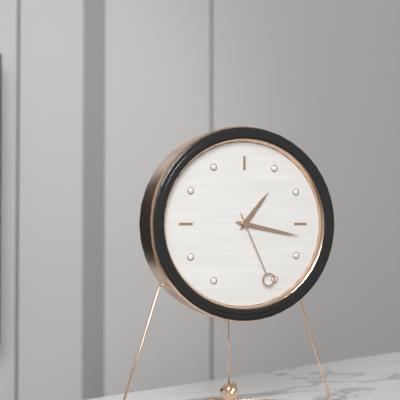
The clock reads 1.17.26
